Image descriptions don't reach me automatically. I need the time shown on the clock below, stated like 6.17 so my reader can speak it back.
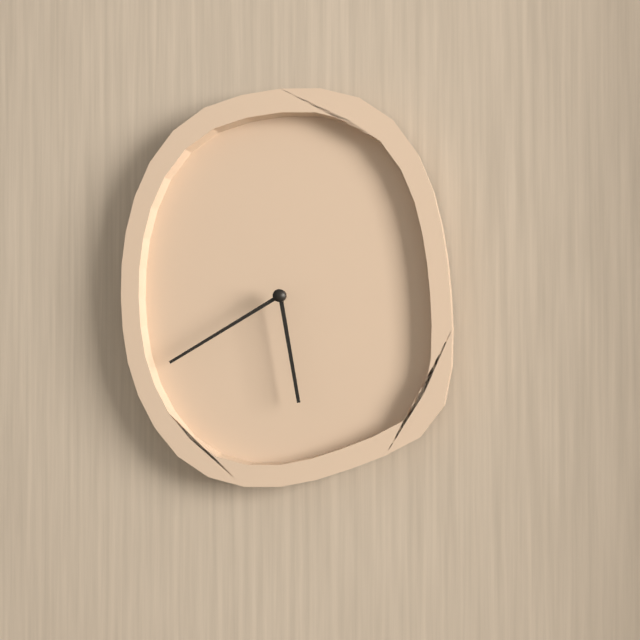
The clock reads 5.40
